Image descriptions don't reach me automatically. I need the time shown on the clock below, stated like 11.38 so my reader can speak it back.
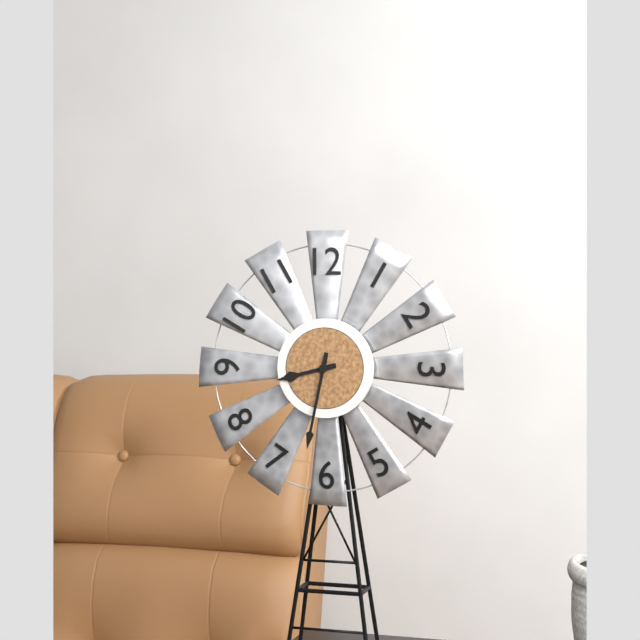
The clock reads 8.32
